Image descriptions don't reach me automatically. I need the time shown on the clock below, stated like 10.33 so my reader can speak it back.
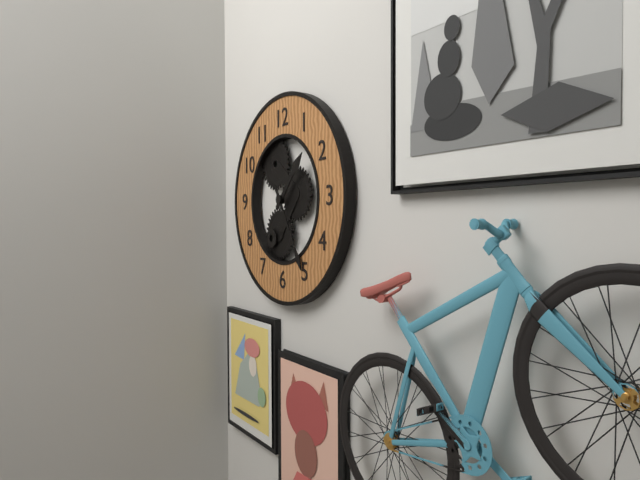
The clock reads 1.25
